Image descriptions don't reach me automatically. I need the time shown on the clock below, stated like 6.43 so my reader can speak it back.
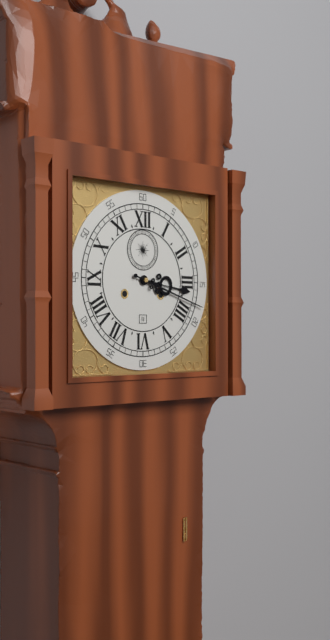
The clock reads 3.18
